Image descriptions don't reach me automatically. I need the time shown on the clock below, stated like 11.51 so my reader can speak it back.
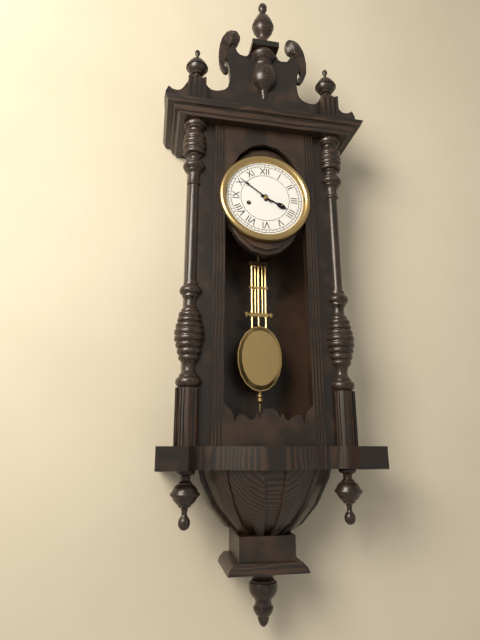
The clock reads 3.51
